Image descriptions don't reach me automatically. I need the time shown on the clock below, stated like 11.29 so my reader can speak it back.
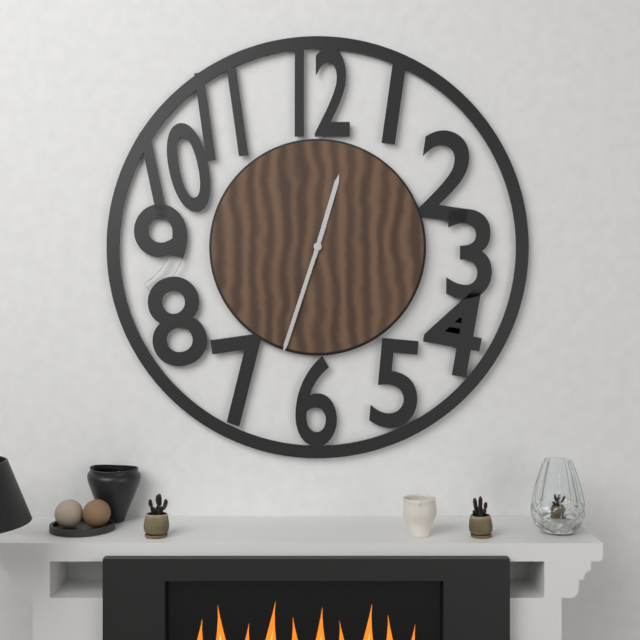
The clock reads 12.33
